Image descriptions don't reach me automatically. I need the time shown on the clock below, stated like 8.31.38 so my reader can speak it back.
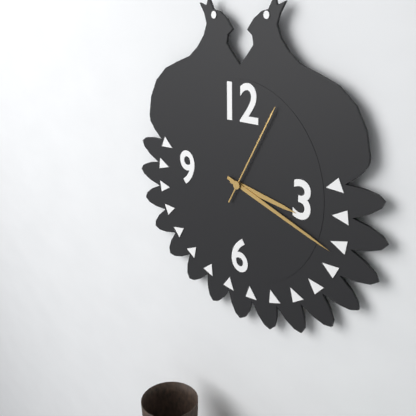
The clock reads 3.18.05
